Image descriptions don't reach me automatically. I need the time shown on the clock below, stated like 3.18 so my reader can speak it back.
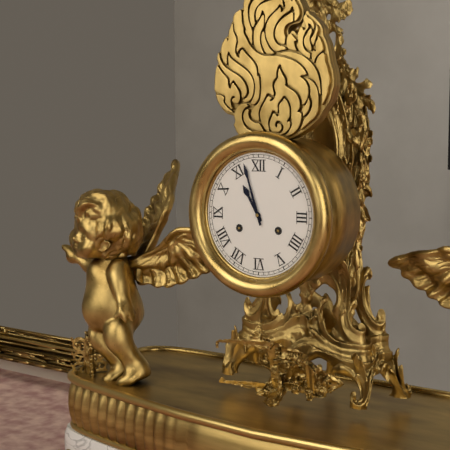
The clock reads 10.57
